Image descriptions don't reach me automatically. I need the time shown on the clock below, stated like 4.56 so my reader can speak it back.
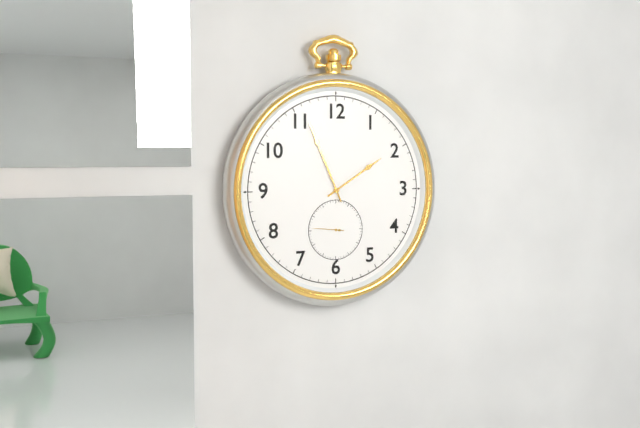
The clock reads 1.56
